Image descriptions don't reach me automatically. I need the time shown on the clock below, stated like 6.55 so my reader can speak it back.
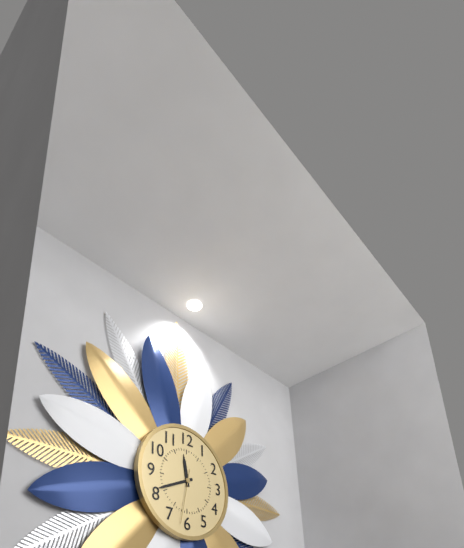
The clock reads 11.41
